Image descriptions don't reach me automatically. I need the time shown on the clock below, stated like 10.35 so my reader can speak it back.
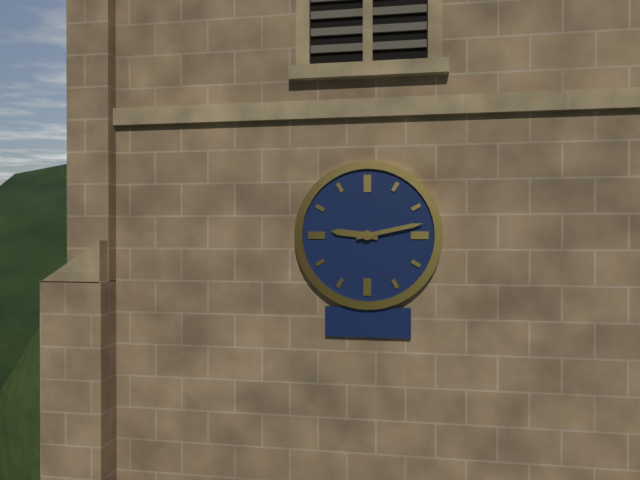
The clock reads 9.13
